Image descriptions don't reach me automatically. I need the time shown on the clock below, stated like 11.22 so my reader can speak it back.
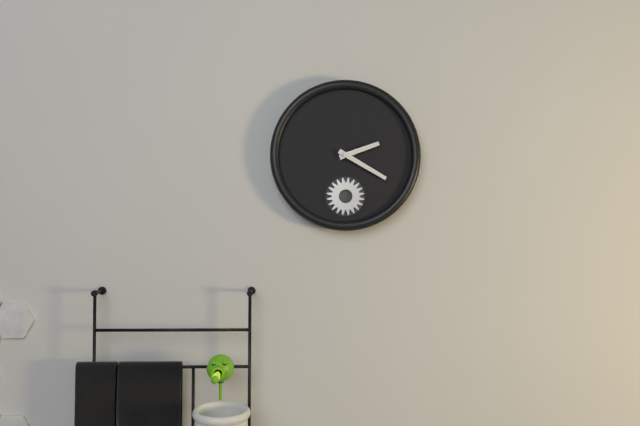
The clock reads 2.20
